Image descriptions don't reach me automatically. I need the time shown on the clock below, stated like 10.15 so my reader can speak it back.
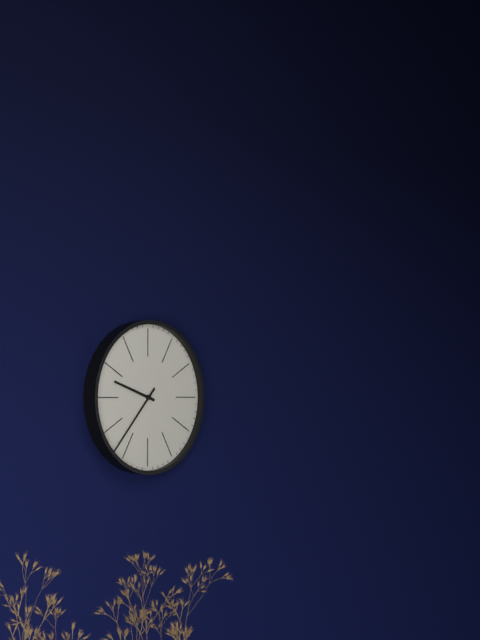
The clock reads 9.37
